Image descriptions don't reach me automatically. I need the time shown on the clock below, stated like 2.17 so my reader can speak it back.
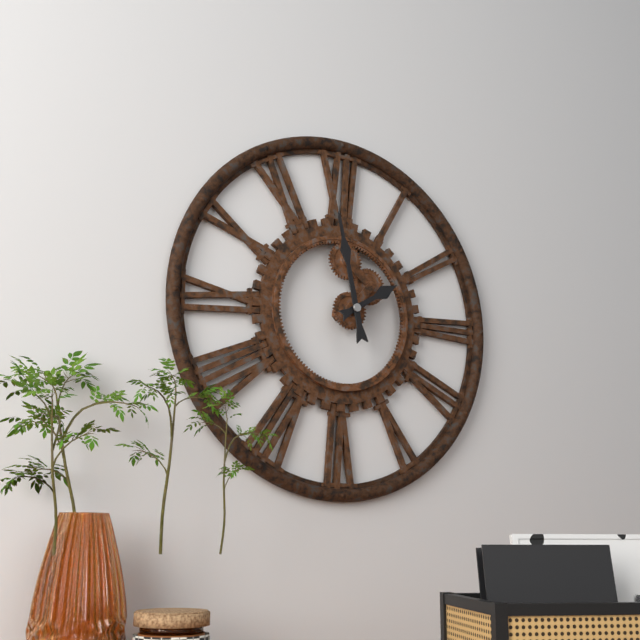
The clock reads 1.58
